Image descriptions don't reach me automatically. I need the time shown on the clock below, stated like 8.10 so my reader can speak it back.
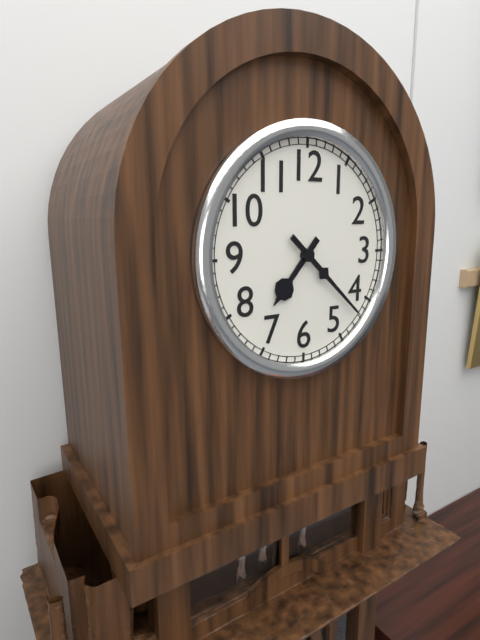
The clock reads 7.22
